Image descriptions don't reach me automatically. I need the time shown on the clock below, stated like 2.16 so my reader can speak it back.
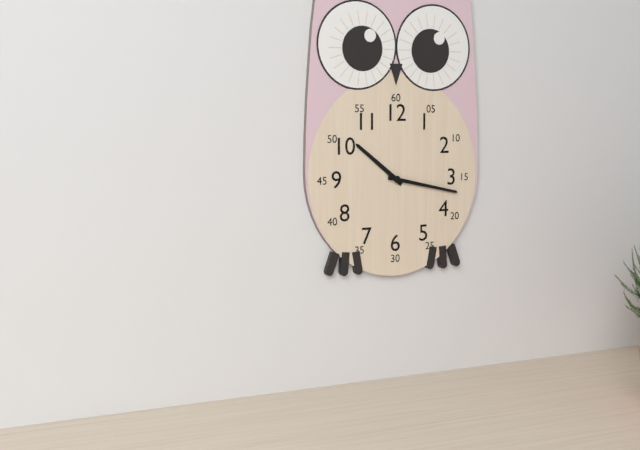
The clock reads 10.17
